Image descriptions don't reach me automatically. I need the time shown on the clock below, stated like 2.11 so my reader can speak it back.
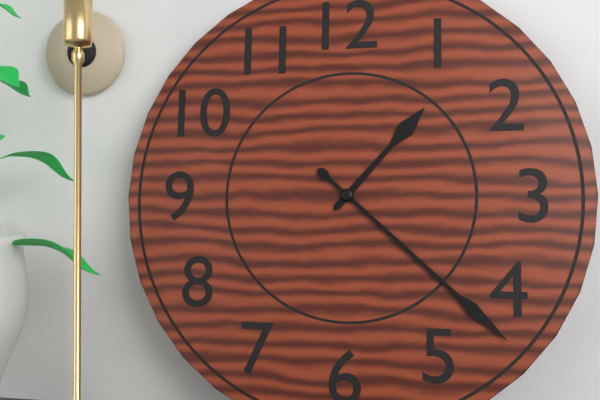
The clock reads 1.22
